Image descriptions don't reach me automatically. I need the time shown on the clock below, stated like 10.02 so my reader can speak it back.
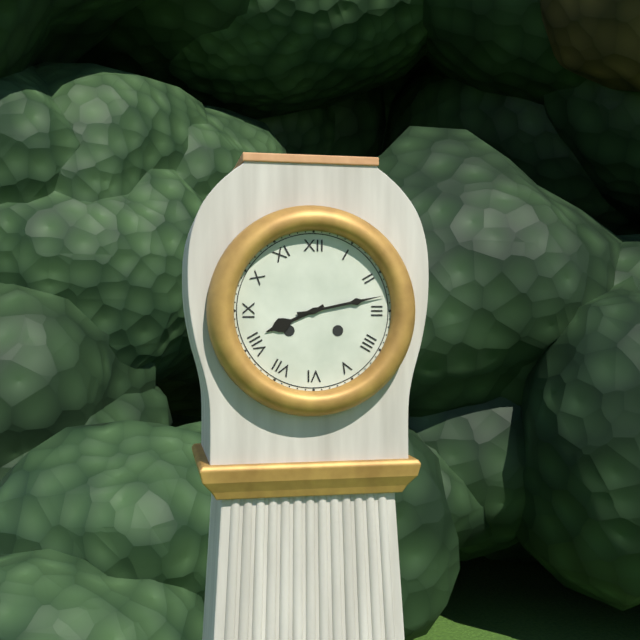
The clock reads 8.13
